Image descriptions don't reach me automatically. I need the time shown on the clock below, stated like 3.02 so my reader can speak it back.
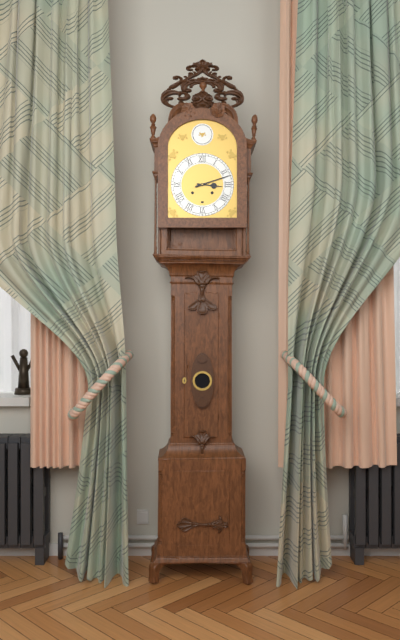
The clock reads 3.12
